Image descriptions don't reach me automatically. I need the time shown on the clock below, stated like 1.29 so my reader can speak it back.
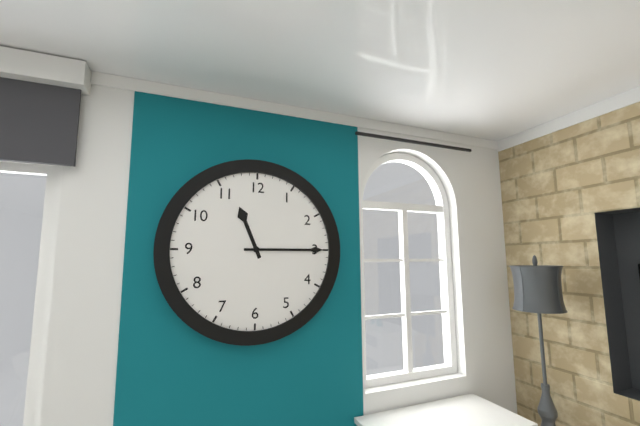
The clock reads 11.15
